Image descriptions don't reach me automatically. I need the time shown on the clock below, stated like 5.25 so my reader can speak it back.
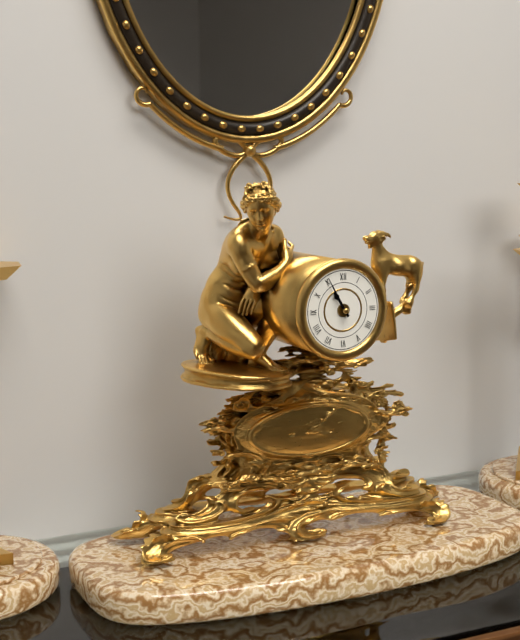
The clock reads 10.55
